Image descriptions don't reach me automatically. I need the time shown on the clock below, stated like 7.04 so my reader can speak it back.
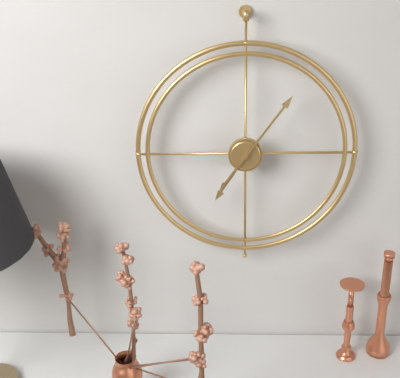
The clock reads 7.06
